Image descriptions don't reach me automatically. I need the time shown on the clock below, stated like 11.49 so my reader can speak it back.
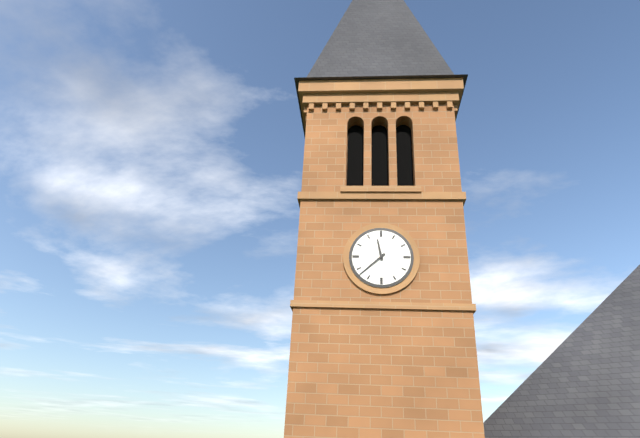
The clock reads 11.38
